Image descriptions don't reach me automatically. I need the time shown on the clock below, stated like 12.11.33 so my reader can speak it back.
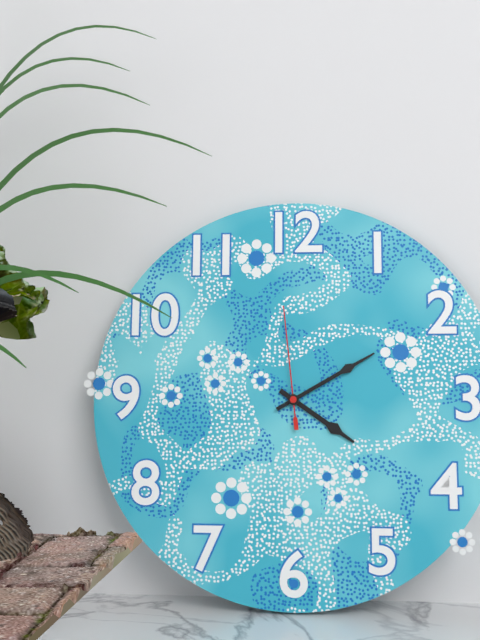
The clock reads 4.10.59
